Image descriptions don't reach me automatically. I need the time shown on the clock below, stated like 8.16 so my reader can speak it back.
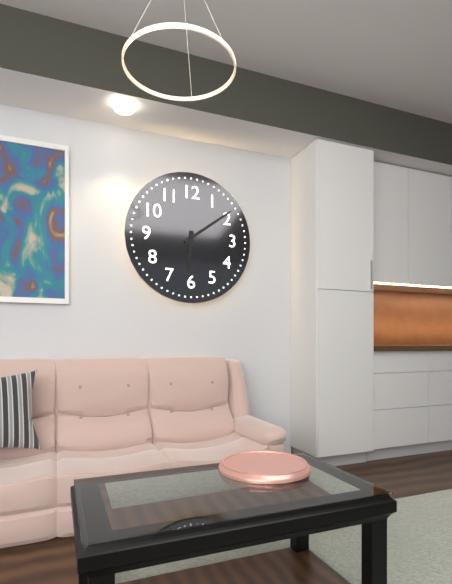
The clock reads 6.09
